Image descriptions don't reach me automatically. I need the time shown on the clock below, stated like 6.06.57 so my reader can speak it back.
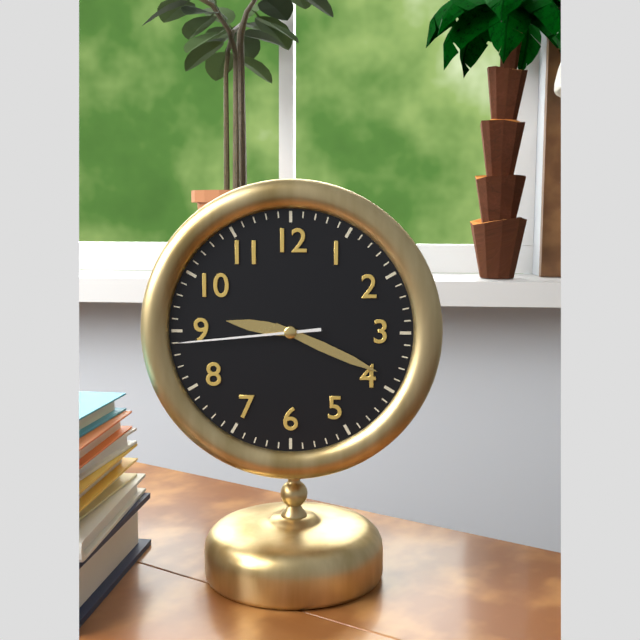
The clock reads 9.19.44
